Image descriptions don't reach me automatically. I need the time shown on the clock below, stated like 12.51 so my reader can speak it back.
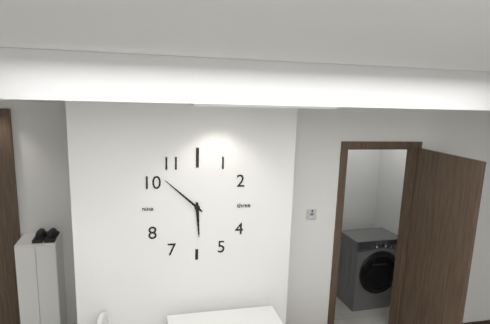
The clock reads 5.52
